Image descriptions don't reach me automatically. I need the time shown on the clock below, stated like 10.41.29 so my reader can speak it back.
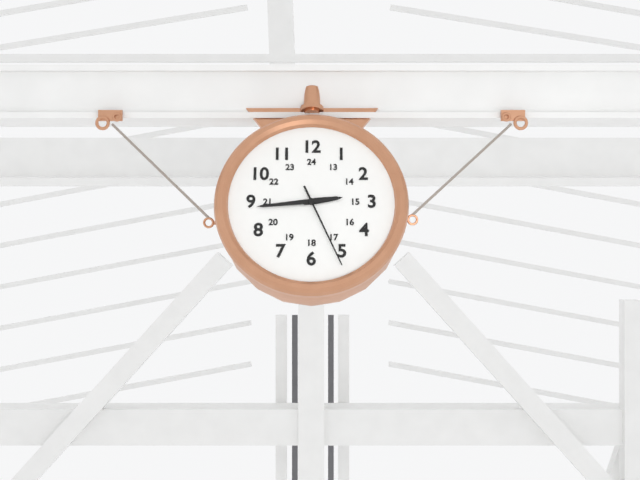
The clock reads 2.44.26
